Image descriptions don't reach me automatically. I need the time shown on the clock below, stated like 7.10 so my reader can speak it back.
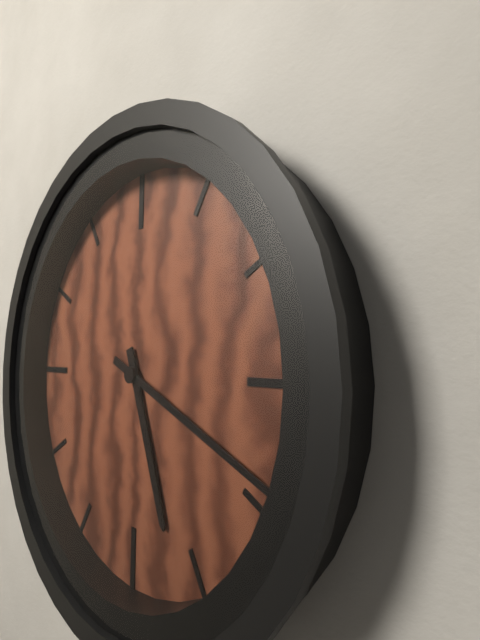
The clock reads 5.19
